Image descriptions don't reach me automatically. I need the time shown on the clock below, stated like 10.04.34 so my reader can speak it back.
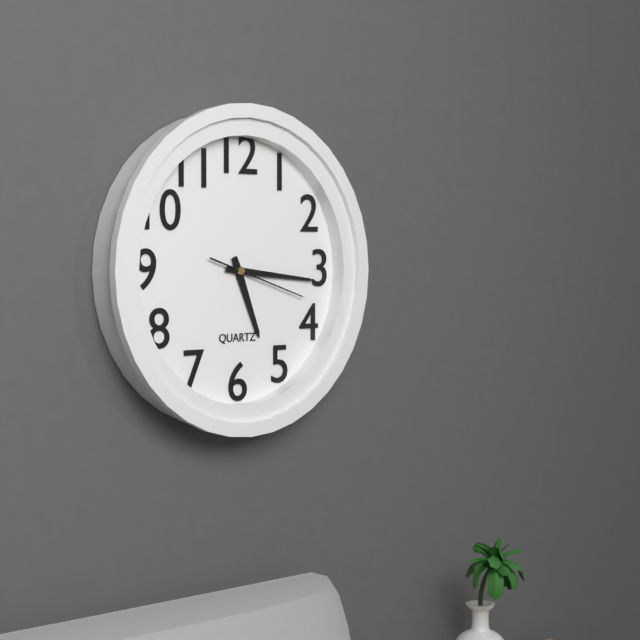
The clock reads 5.16.18
